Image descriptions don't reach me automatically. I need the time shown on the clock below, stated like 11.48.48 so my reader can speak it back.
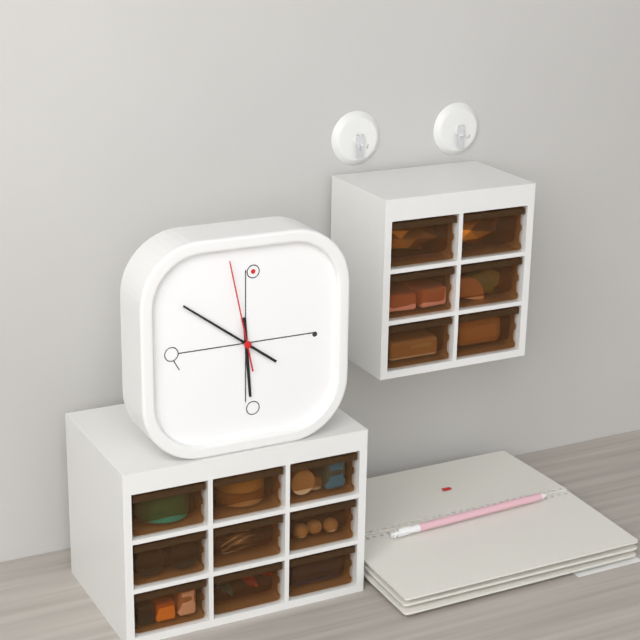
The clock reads 5.51.58
